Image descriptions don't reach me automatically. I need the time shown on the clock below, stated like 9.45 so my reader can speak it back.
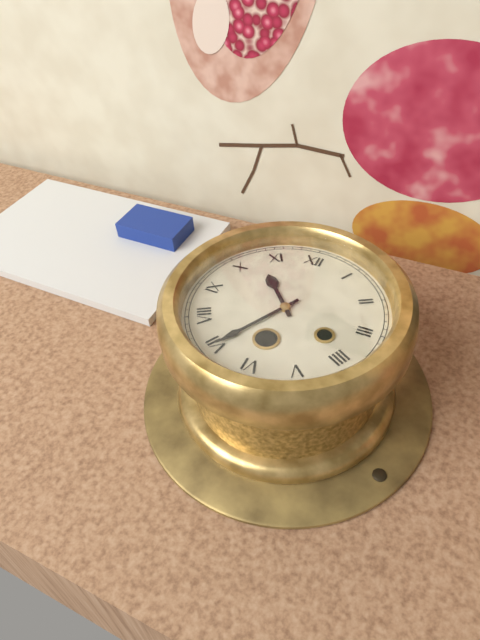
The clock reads 10.35
